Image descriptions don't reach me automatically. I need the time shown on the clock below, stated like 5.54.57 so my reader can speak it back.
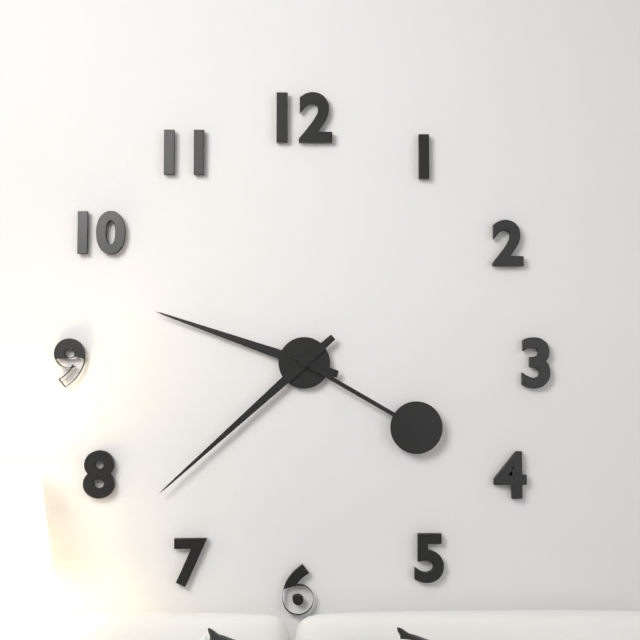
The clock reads 9.38.20
